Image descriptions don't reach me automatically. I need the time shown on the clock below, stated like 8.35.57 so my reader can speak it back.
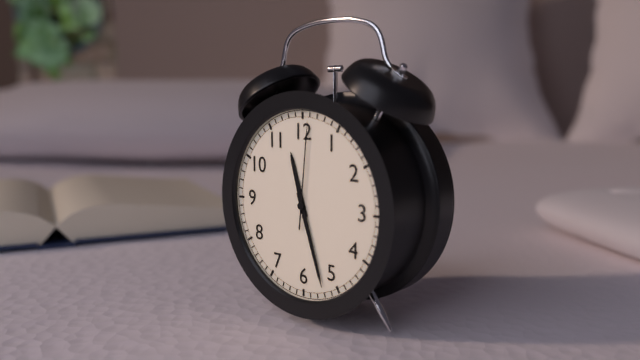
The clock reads 11.27.01
